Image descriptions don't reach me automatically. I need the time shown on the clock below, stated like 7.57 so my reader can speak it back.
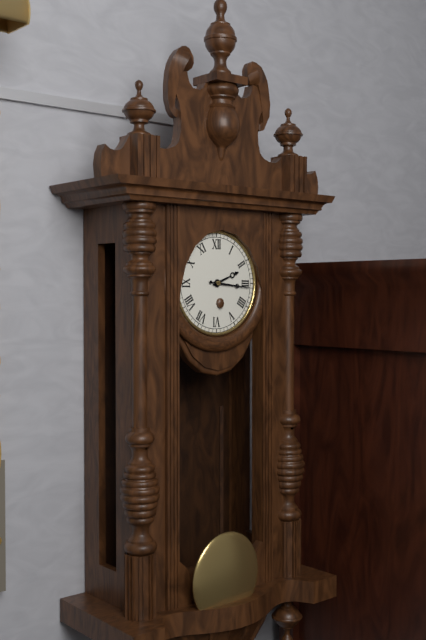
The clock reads 2.16
